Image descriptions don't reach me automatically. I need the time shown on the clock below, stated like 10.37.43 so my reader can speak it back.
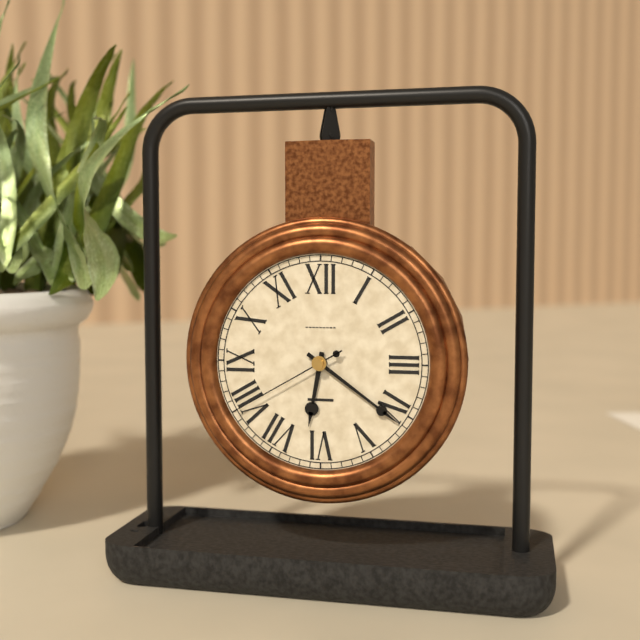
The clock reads 6.21.40
